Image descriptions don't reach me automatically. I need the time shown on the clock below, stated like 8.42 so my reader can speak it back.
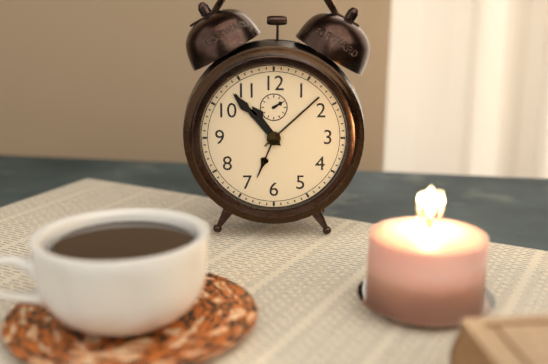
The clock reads 10.53
